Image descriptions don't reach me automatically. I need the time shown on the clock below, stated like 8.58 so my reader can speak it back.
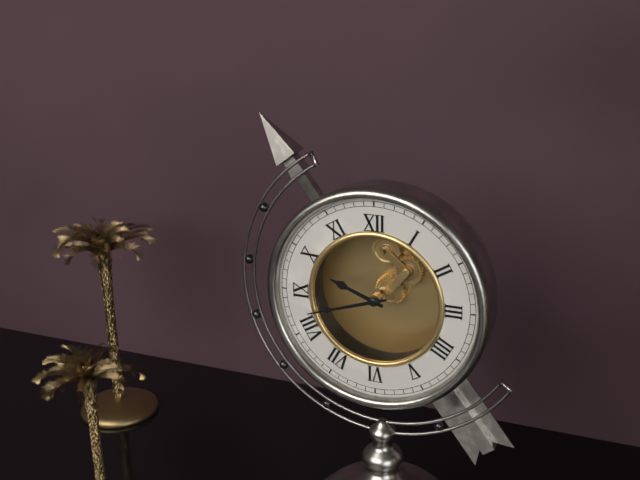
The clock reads 9.42
